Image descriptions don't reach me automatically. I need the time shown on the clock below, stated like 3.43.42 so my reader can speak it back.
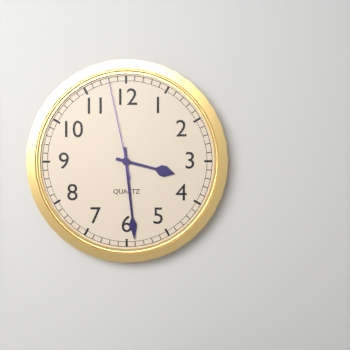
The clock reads 3.29.58
